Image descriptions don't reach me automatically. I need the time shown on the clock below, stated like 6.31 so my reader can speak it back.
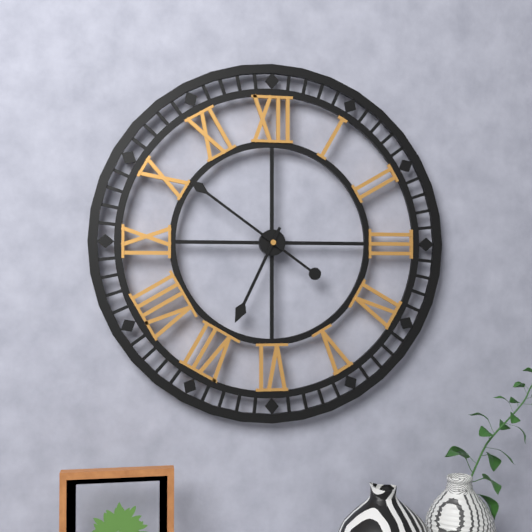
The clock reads 6.51
